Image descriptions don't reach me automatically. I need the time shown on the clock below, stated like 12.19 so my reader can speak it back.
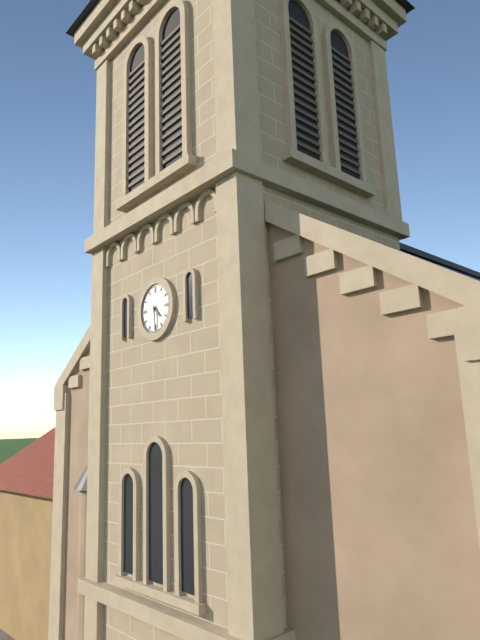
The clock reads 4.29
